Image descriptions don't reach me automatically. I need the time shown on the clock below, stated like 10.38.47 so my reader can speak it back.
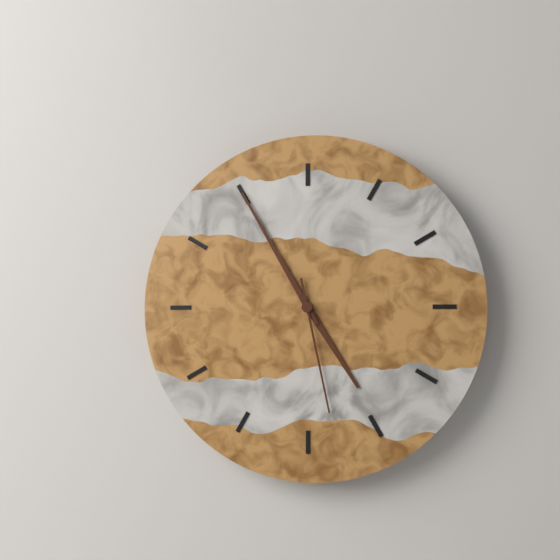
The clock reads 4.55.28
